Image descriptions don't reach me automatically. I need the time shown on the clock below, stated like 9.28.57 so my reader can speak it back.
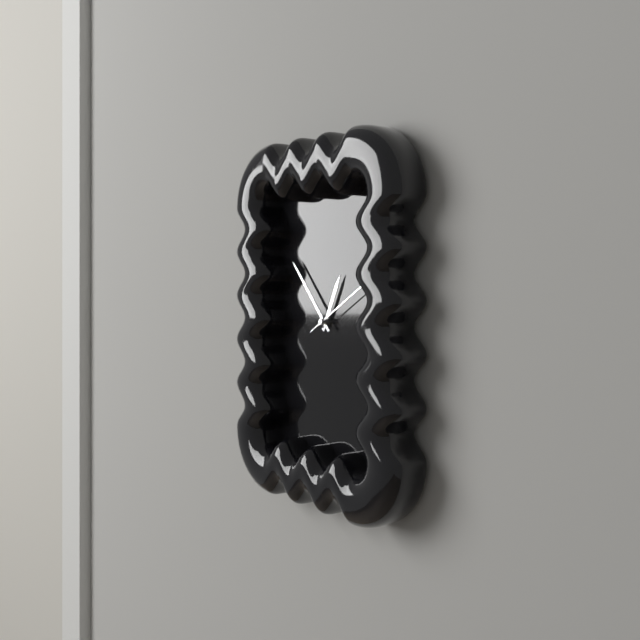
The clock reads 12.53.10
